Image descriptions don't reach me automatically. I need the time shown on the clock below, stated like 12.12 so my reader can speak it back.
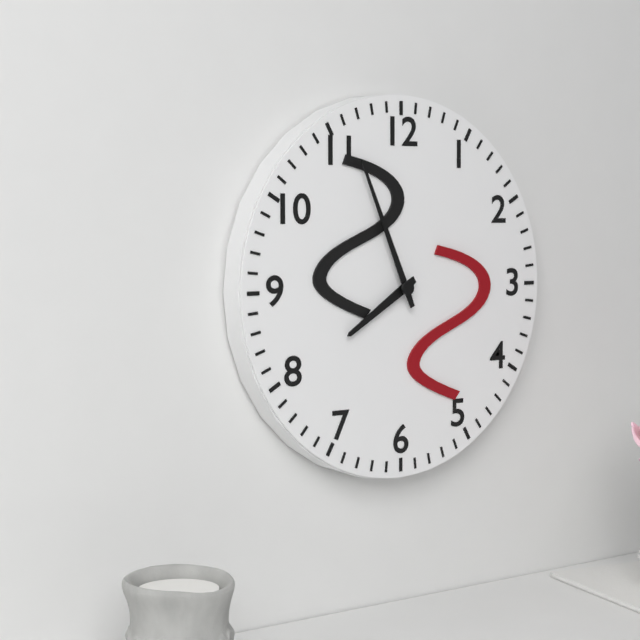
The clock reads 7.56
